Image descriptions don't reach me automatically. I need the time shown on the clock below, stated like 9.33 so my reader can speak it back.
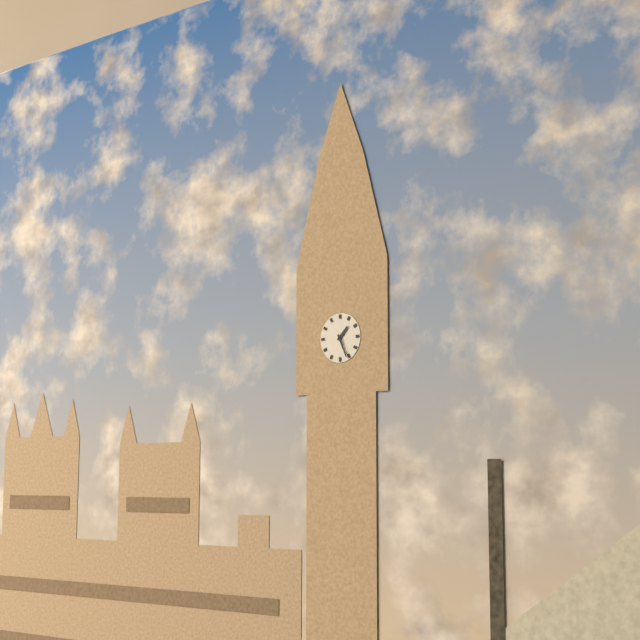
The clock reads 1.26
